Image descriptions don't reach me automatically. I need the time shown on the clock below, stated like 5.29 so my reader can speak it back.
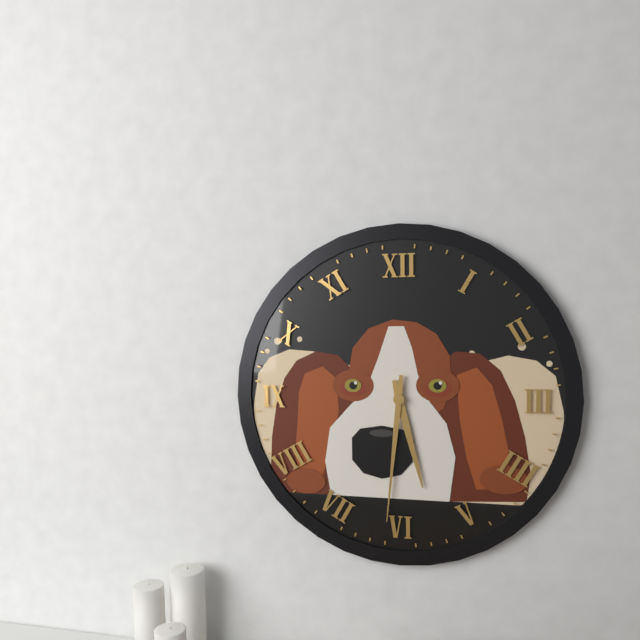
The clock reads 5.31
